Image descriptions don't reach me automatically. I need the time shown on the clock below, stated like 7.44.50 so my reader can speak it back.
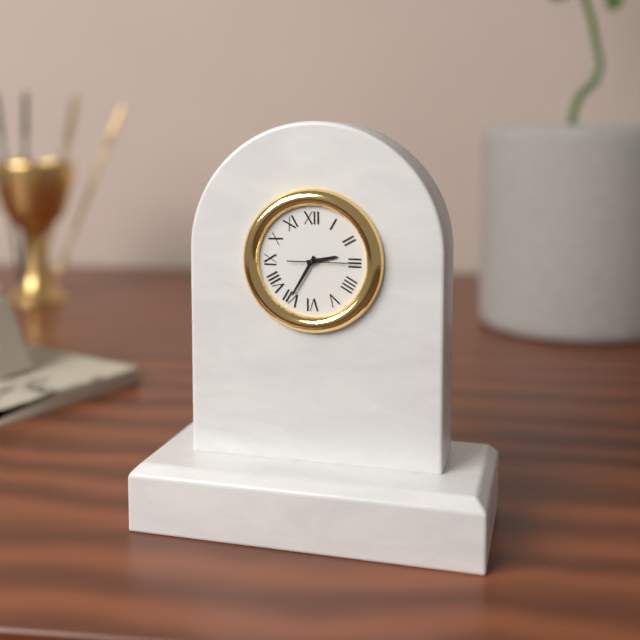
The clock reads 2.35.15
